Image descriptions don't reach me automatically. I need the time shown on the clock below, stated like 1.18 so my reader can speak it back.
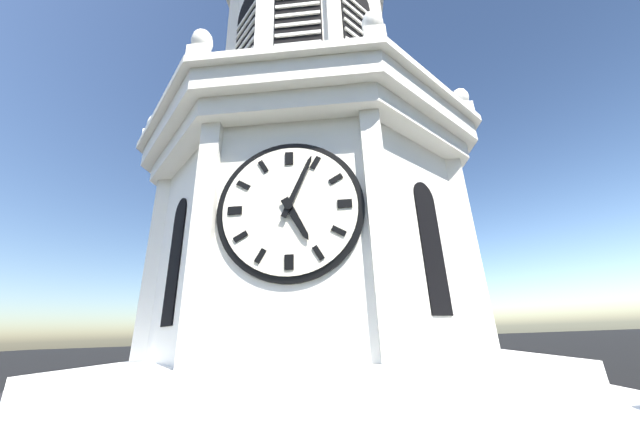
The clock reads 5.04
